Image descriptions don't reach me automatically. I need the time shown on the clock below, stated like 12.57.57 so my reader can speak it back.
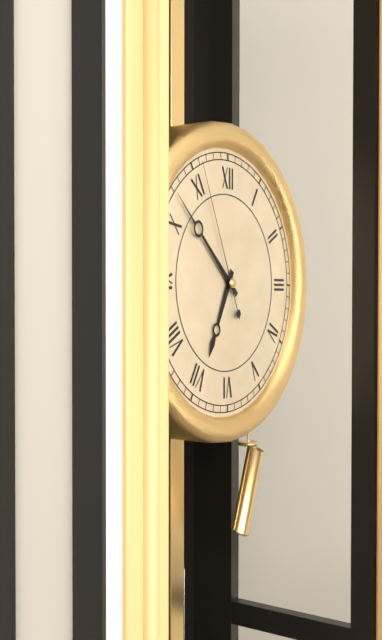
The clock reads 6.52.56
